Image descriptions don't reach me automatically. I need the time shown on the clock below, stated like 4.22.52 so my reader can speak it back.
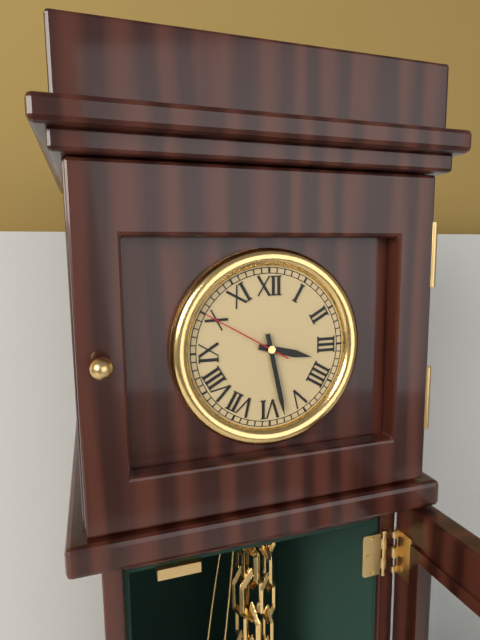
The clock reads 3.28.50
